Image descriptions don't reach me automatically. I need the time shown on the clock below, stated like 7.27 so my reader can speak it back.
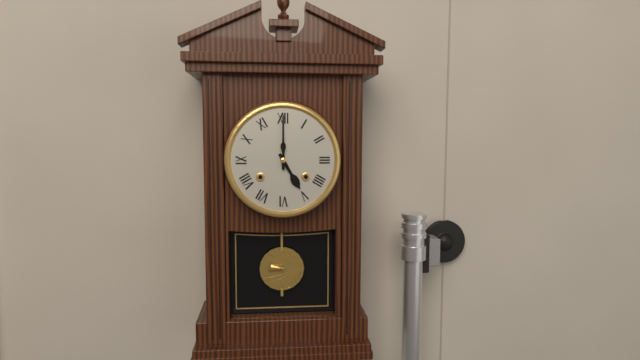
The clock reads 5.00
